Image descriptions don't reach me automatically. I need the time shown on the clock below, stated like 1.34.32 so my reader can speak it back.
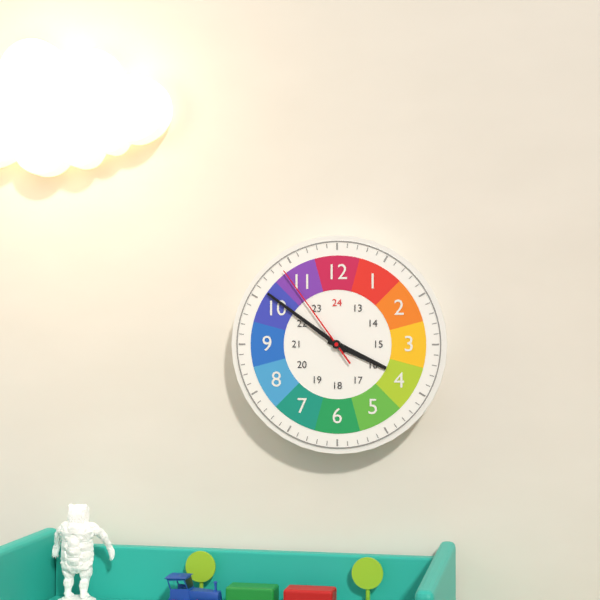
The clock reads 3.51.54
